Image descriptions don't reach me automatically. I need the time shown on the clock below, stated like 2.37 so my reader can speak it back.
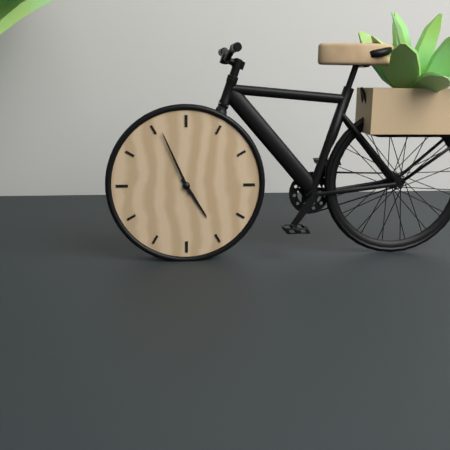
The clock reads 4.56
